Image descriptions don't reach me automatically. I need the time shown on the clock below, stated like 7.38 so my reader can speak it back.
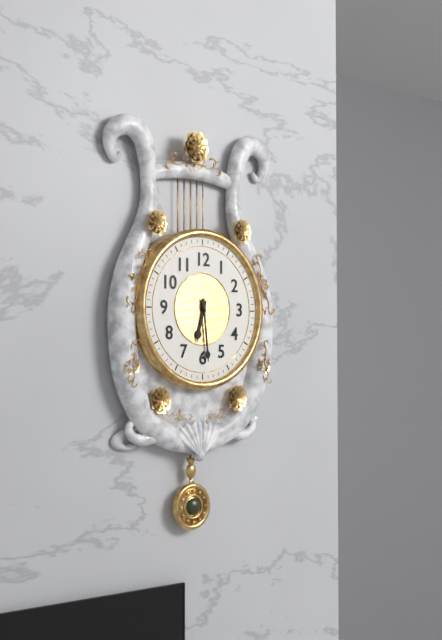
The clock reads 6.29
